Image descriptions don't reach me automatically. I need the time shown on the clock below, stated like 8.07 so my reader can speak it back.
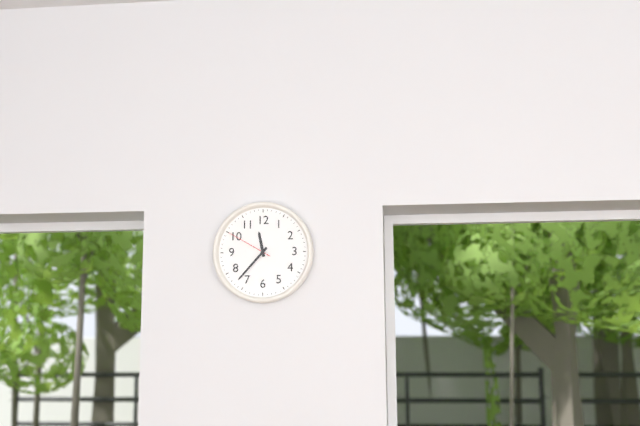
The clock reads 11.37
